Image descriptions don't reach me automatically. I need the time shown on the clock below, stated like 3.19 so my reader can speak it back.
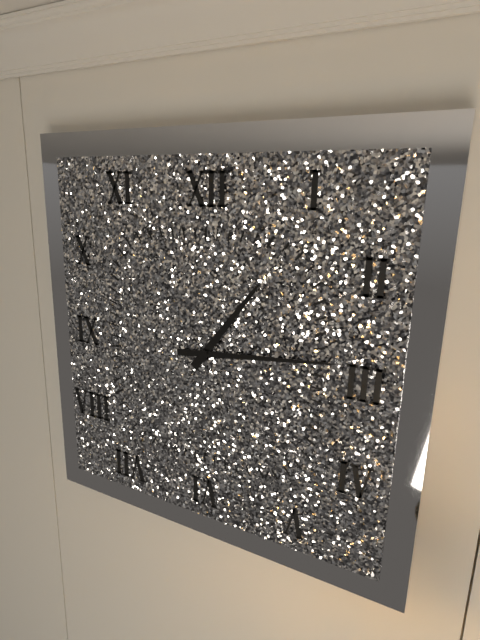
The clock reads 1.14
